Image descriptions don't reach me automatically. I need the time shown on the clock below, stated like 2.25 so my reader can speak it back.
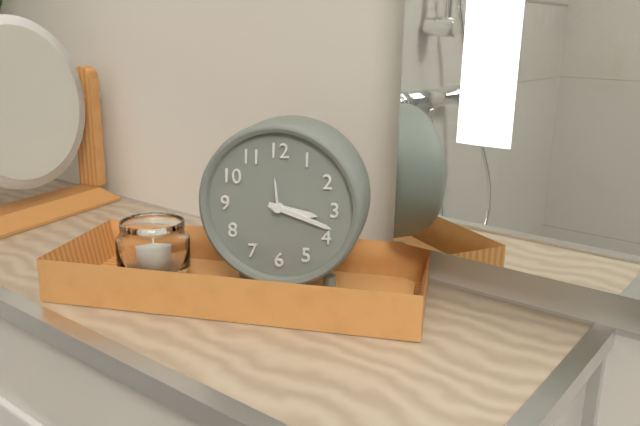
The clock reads 3.18
